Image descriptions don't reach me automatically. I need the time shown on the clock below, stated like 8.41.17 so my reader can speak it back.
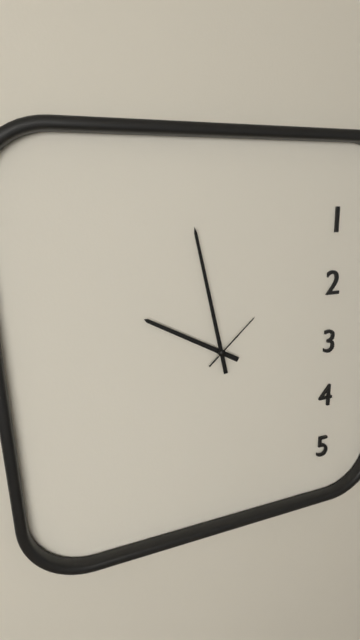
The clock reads 9.58.08
